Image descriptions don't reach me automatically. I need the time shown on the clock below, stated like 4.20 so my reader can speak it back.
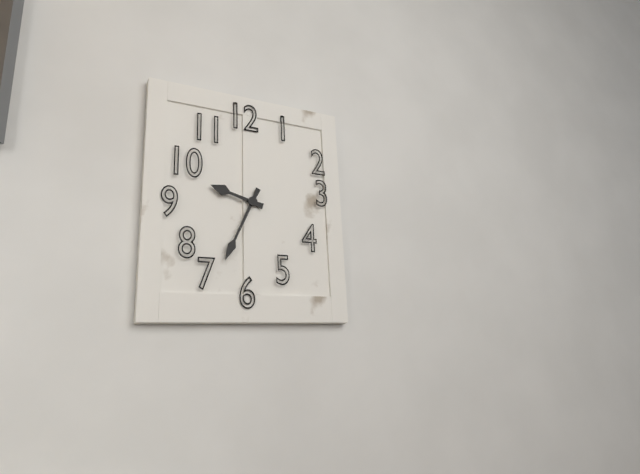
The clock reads 9.34
